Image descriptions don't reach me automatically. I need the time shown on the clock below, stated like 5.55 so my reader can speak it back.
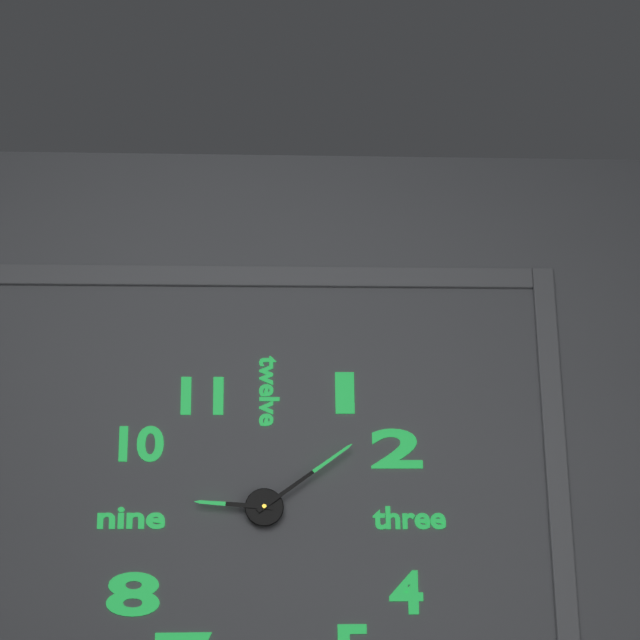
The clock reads 9.09
